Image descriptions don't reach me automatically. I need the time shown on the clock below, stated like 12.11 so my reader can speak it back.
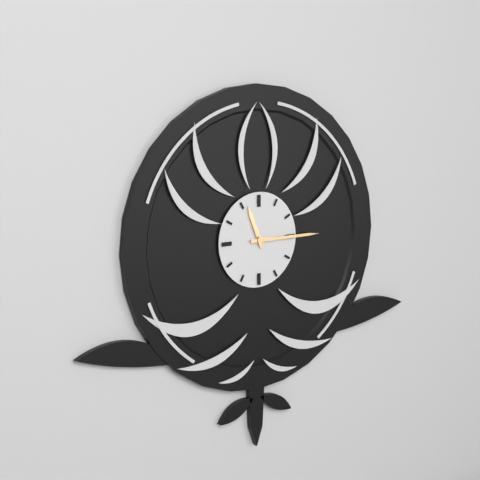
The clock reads 11.15
